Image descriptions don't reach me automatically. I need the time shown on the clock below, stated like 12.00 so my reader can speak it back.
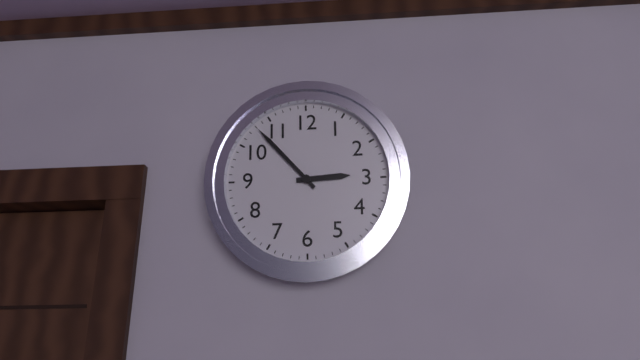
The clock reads 2.53
